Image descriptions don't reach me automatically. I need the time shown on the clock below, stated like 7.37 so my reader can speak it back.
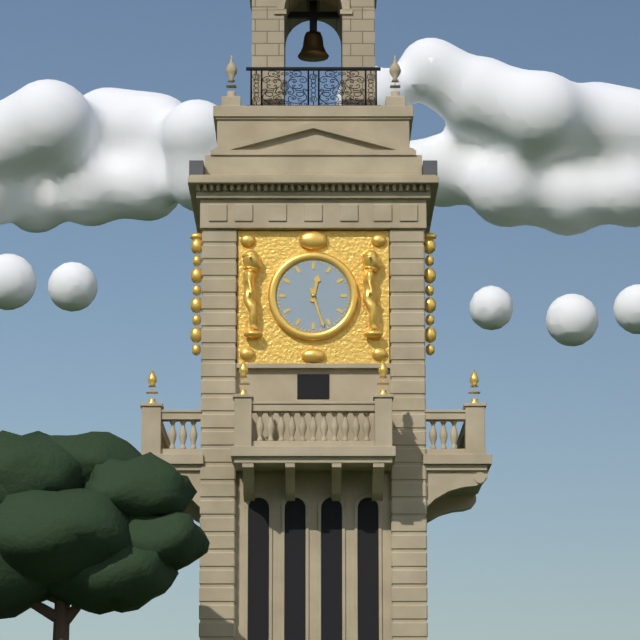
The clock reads 12.27
